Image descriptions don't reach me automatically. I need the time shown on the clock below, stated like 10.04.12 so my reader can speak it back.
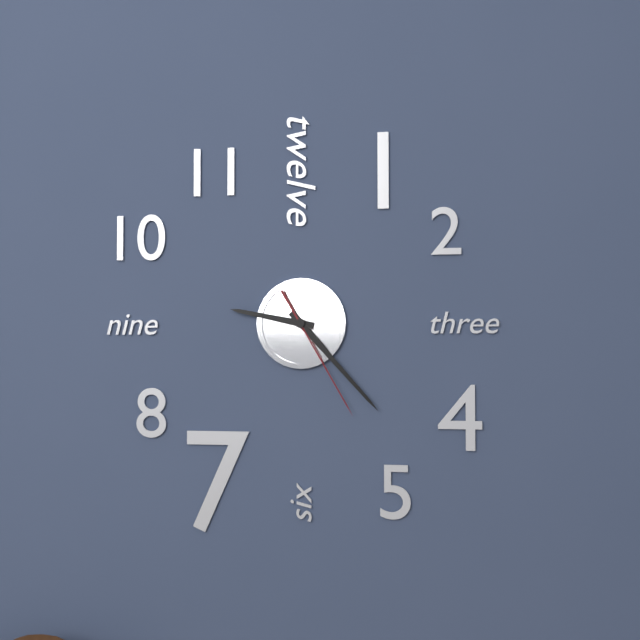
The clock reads 9.23.25
